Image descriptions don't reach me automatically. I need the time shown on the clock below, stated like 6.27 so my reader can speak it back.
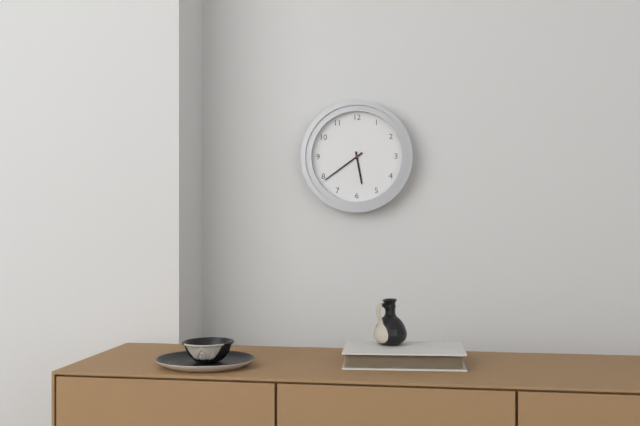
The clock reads 5.39
